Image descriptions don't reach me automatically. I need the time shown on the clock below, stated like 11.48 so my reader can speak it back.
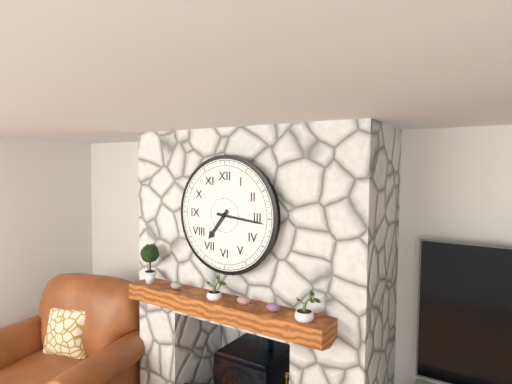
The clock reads 7.16
